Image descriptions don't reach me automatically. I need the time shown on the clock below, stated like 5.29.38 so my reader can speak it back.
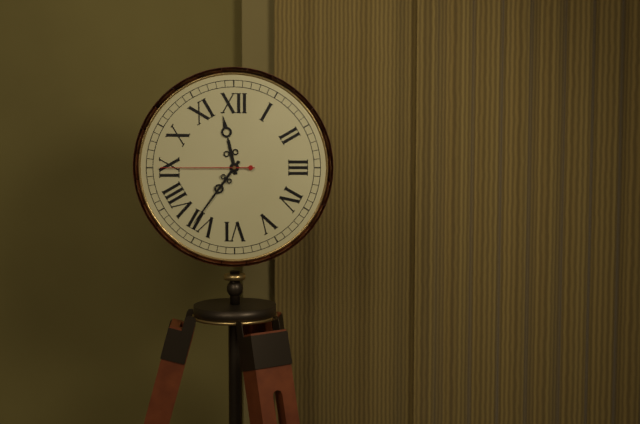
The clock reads 11.36.45
